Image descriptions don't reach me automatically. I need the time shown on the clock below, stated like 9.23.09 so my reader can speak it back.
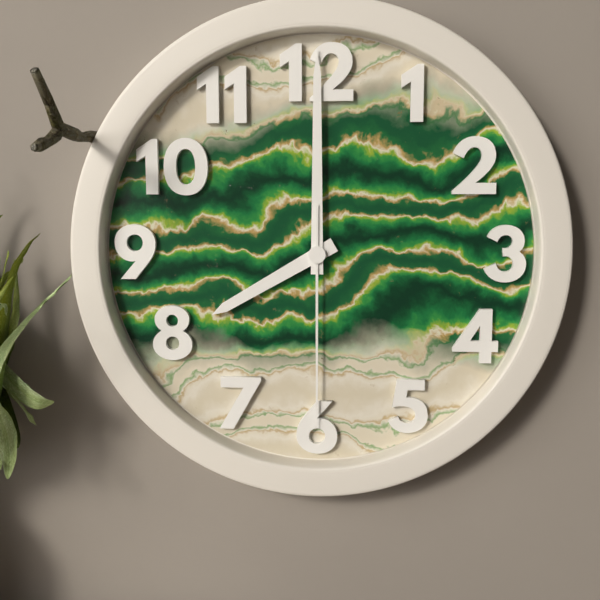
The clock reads 8.00.30
